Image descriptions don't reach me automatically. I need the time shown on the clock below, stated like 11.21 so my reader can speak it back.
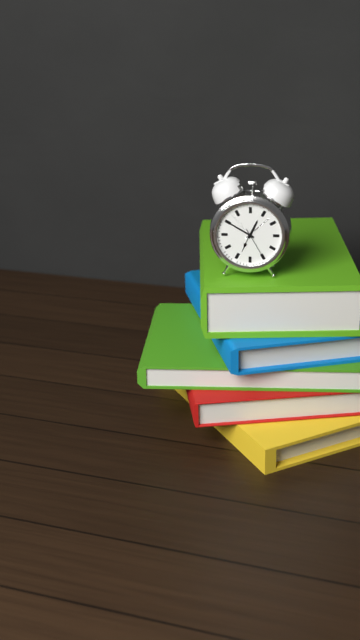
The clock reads 12.50
